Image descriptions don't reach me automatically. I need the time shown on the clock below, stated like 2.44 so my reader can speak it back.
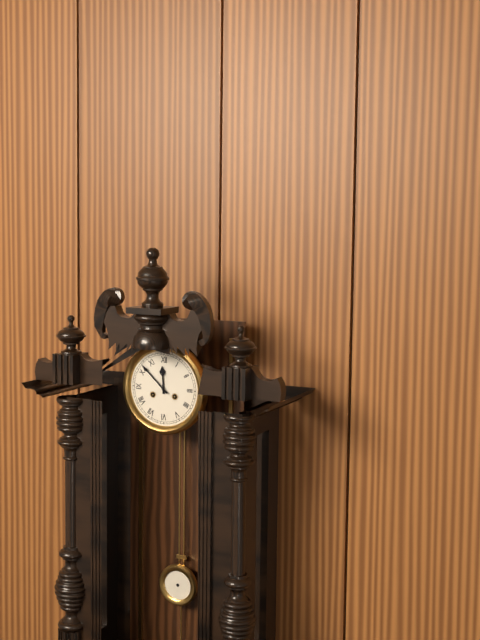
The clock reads 11.52
